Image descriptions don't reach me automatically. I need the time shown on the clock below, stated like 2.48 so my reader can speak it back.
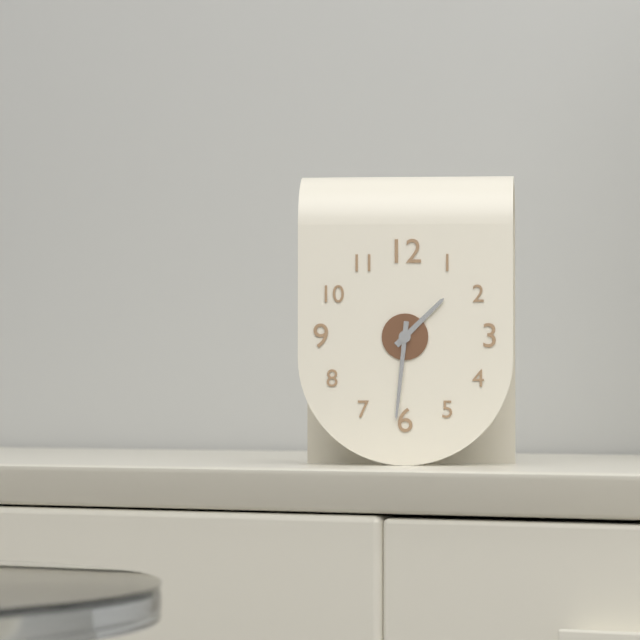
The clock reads 1.31
